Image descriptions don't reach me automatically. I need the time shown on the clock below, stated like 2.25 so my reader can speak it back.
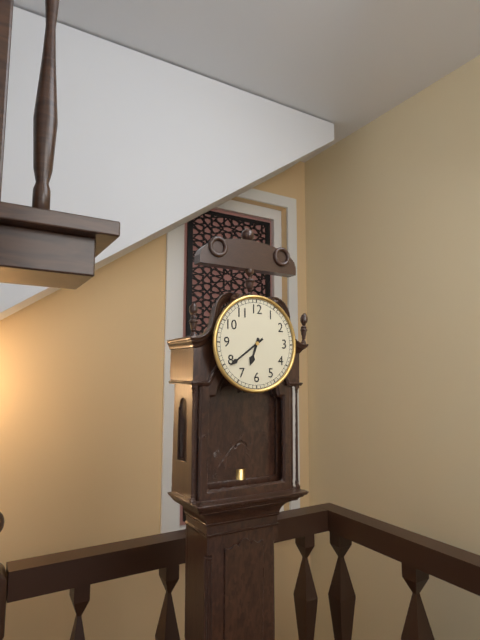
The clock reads 6.39
